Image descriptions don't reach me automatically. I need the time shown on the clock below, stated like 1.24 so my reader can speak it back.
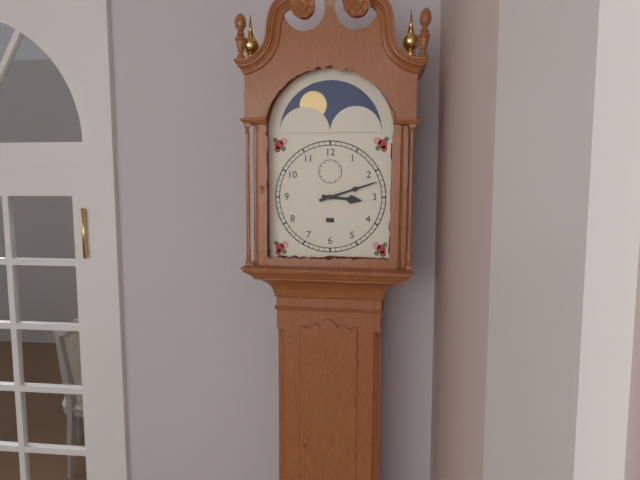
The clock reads 3.12
